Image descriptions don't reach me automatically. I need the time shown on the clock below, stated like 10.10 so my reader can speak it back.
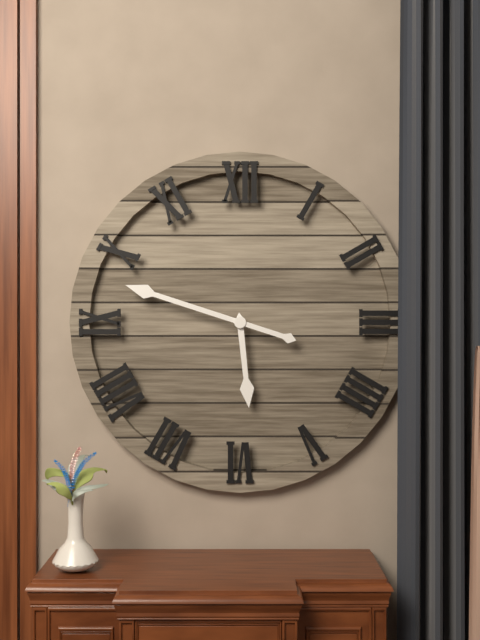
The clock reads 5.48
